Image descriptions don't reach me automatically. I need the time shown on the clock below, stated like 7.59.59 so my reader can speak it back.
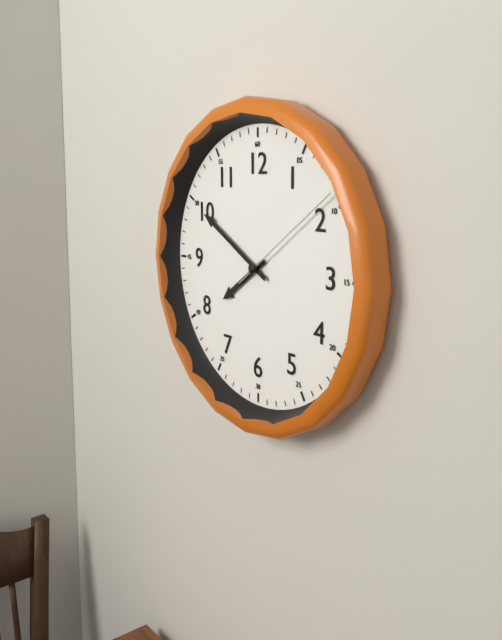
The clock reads 7.50.09
